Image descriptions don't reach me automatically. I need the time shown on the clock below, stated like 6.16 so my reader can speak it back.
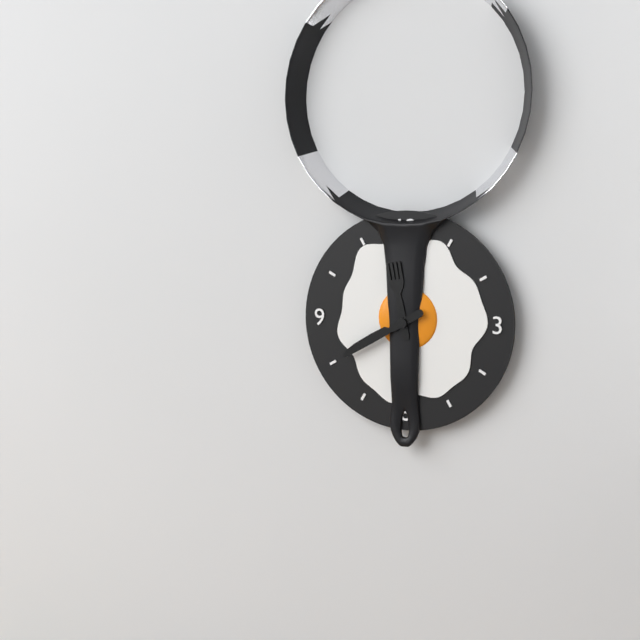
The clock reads 11.40
